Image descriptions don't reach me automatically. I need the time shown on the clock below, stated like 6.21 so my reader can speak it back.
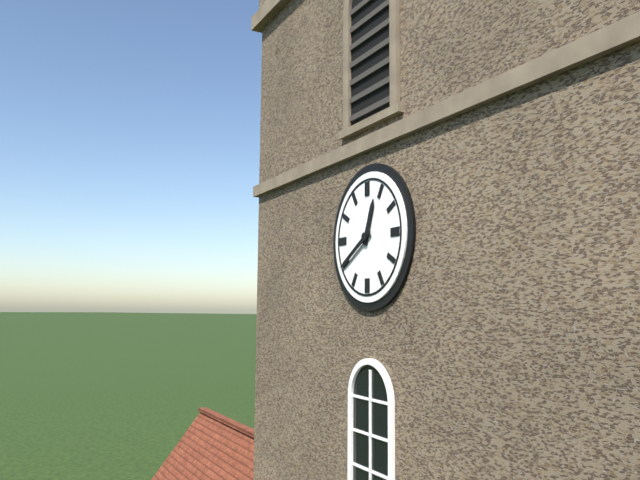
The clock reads 12.40
